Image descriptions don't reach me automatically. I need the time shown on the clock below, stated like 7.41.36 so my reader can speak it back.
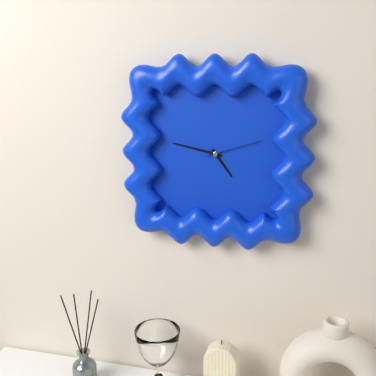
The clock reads 4.47.12
